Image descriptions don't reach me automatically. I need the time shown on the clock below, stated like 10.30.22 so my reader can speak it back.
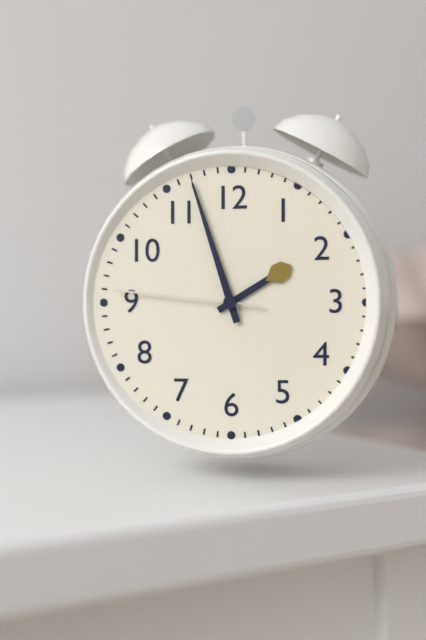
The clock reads 1.57.46
